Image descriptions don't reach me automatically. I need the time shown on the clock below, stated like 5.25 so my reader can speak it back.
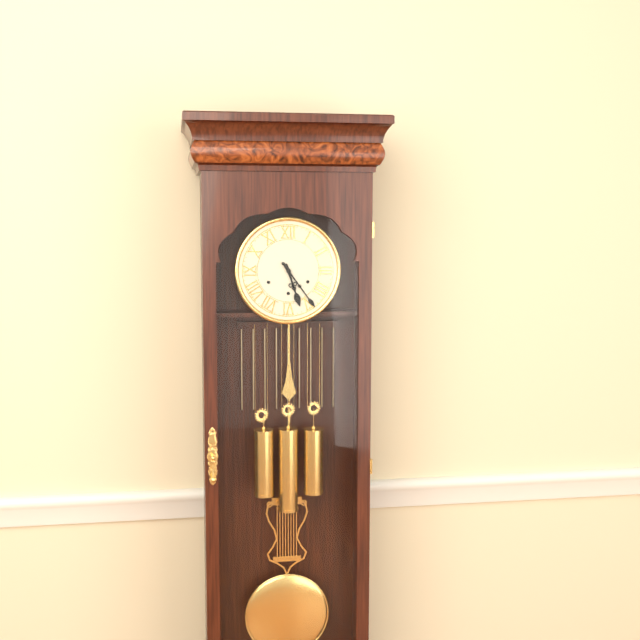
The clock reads 5.24
